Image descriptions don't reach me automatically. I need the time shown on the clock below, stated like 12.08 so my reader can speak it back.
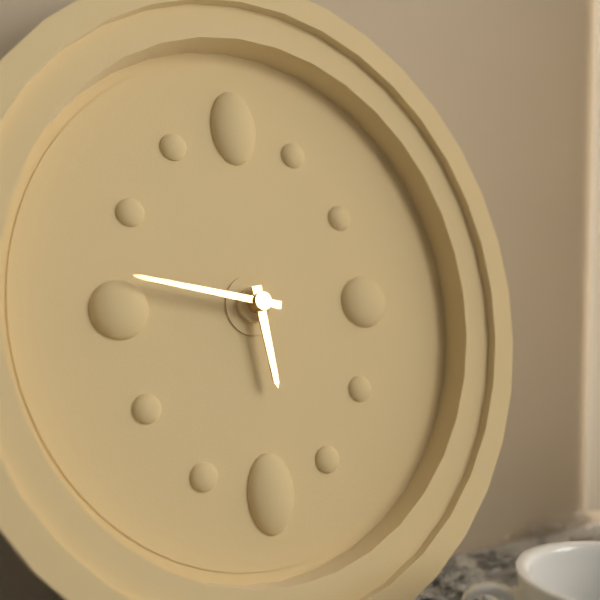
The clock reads 5.47
